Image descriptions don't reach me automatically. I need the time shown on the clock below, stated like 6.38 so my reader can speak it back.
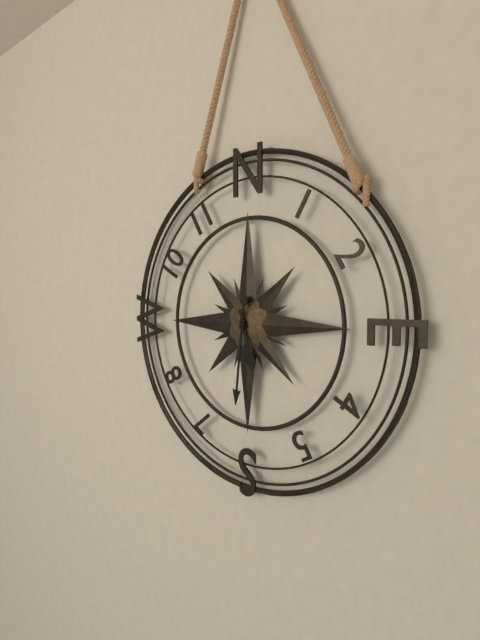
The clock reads 5.31
